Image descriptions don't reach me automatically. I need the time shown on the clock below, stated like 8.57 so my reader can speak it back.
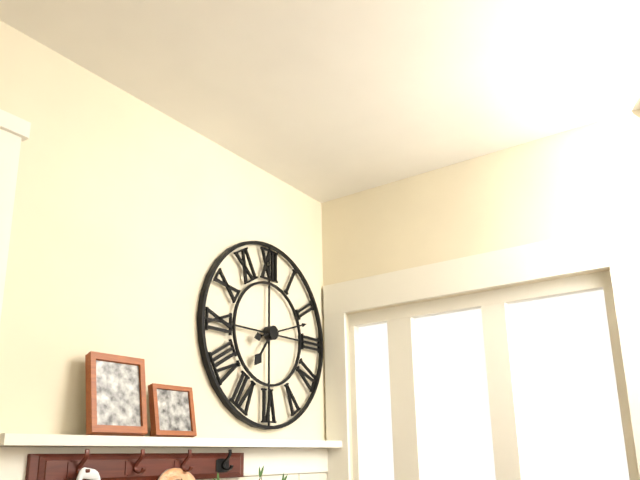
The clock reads 7.12
